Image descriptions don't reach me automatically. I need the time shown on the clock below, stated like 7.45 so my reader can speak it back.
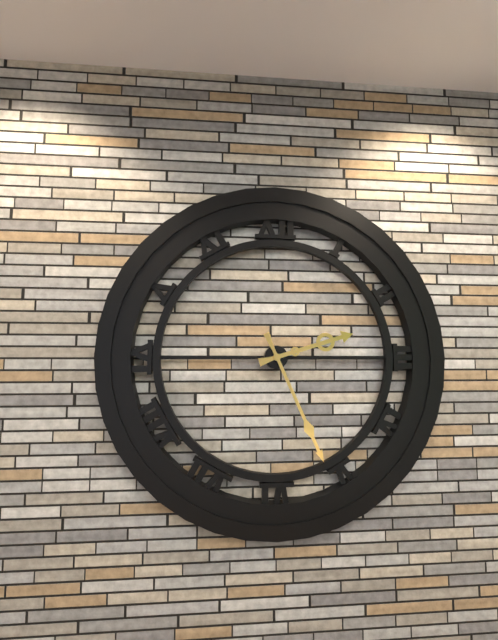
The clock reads 2.26
